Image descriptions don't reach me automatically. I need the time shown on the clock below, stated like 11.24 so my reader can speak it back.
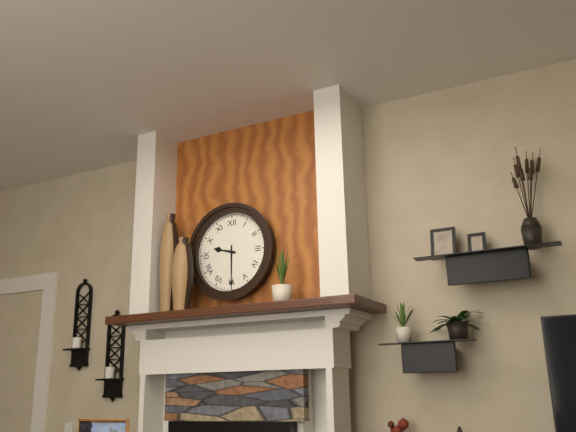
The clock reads 9.30
